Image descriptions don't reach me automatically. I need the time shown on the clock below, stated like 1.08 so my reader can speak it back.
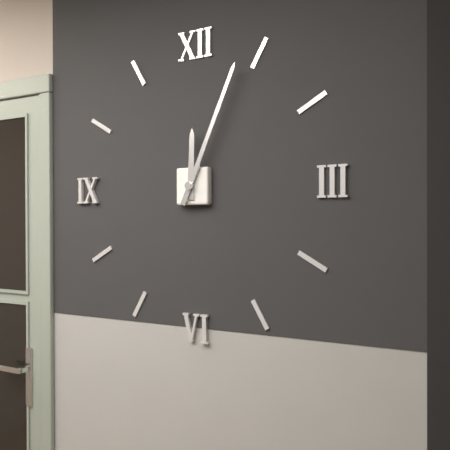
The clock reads 12.04
